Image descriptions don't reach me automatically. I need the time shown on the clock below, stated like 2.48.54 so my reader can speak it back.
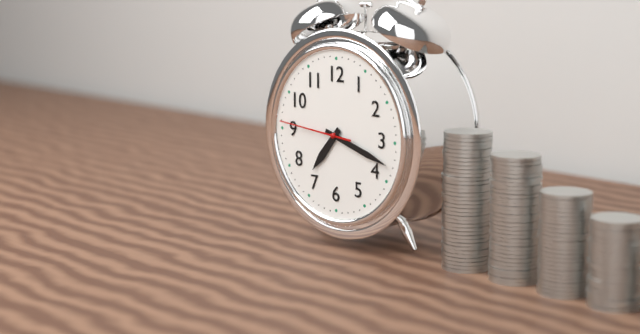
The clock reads 7.18.46
